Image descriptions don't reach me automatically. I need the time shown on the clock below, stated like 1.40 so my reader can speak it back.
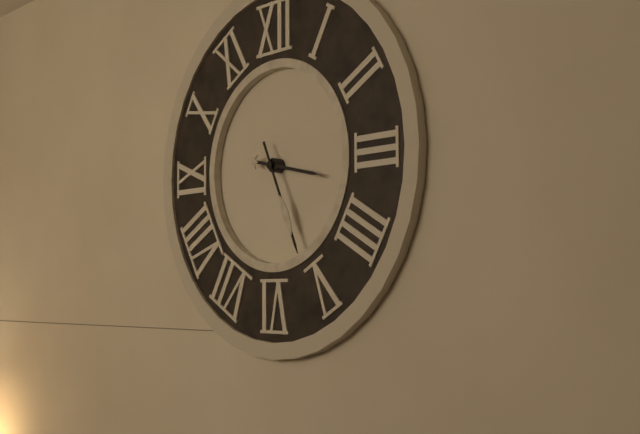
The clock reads 3.26
